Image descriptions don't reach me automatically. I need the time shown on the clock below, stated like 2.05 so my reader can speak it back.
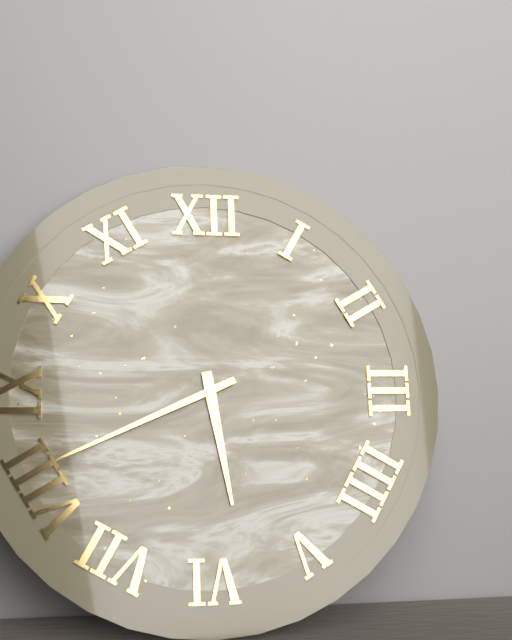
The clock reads 5.41
